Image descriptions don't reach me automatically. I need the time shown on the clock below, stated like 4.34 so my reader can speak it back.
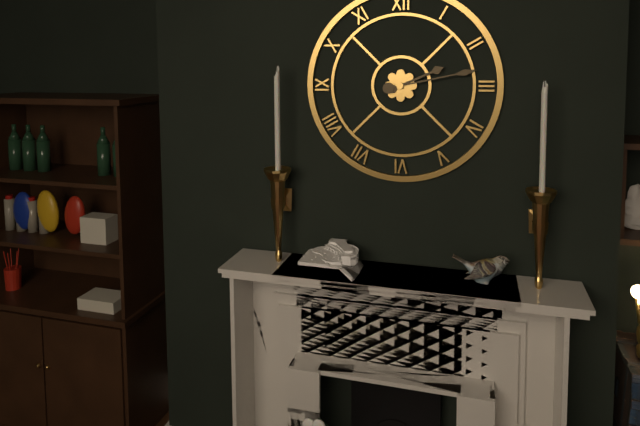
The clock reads 2.13
